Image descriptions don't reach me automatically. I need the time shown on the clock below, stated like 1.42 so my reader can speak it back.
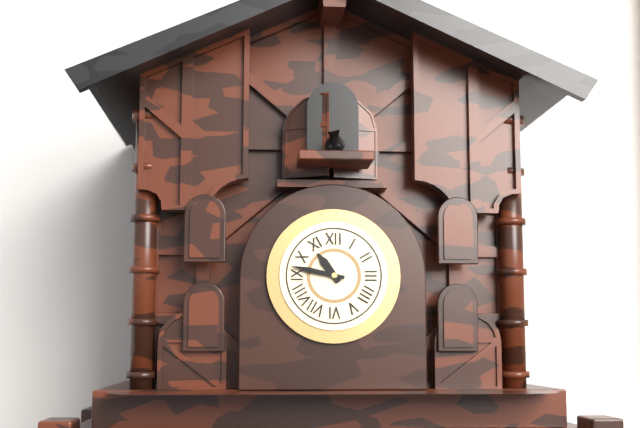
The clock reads 10.47
